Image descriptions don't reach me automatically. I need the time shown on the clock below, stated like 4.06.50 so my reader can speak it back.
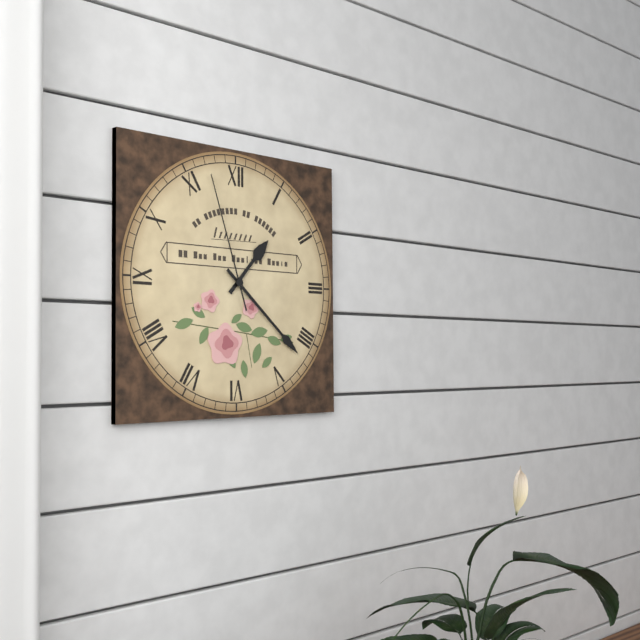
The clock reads 1.22.57
